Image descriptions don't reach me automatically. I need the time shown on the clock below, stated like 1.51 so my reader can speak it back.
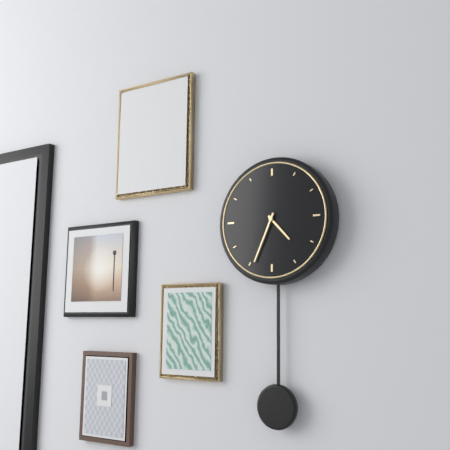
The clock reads 4.34
